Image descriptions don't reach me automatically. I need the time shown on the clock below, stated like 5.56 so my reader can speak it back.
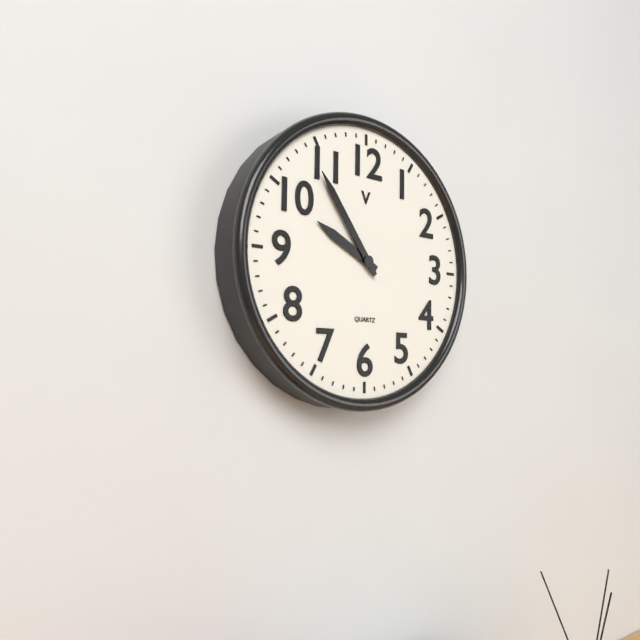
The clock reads 9.54
